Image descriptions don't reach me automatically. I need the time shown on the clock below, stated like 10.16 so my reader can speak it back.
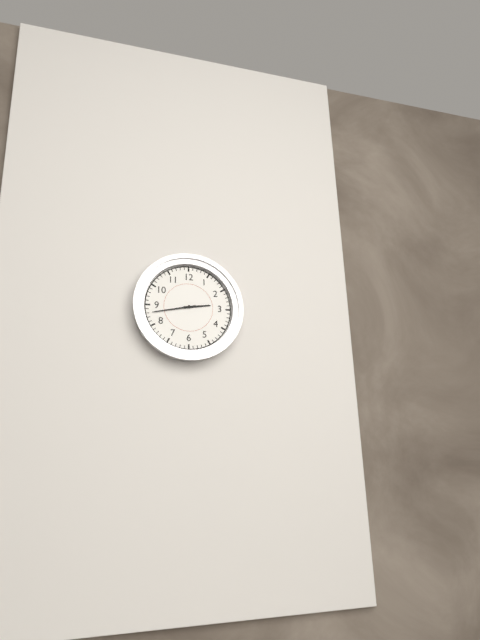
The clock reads 2.43
